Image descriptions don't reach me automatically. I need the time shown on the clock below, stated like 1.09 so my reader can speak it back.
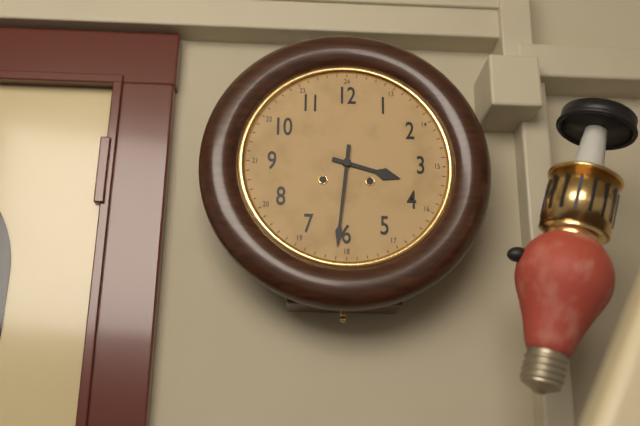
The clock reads 3.31
